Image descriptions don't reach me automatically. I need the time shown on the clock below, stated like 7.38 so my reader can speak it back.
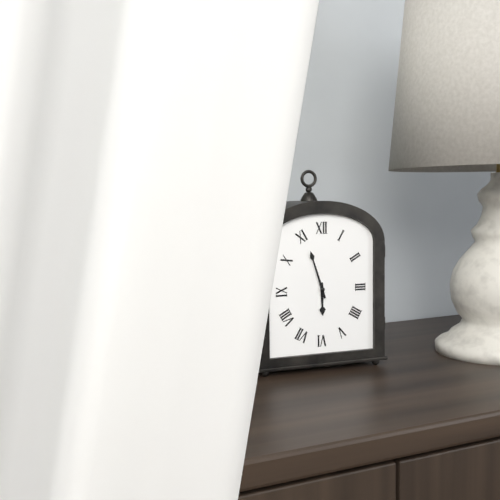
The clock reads 5.57
